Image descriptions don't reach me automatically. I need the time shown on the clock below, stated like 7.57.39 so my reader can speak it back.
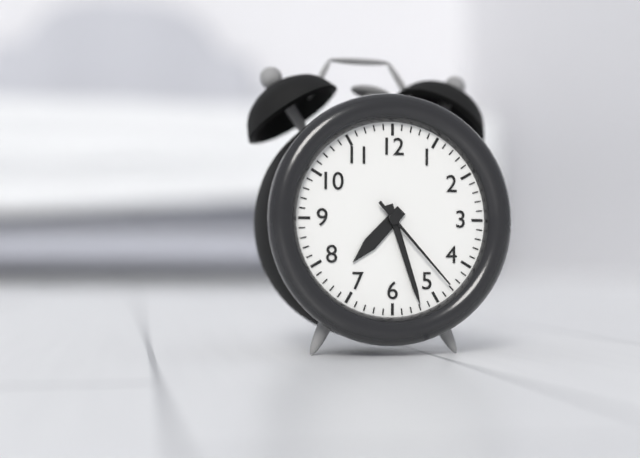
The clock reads 7.27.23
